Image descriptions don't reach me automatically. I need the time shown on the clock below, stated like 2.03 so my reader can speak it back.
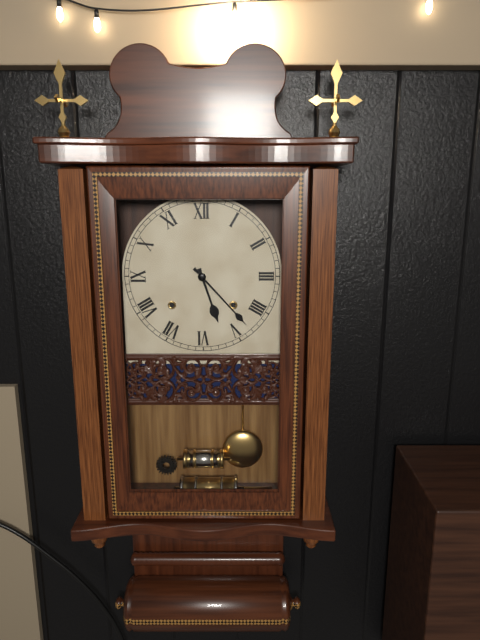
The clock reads 5.23
